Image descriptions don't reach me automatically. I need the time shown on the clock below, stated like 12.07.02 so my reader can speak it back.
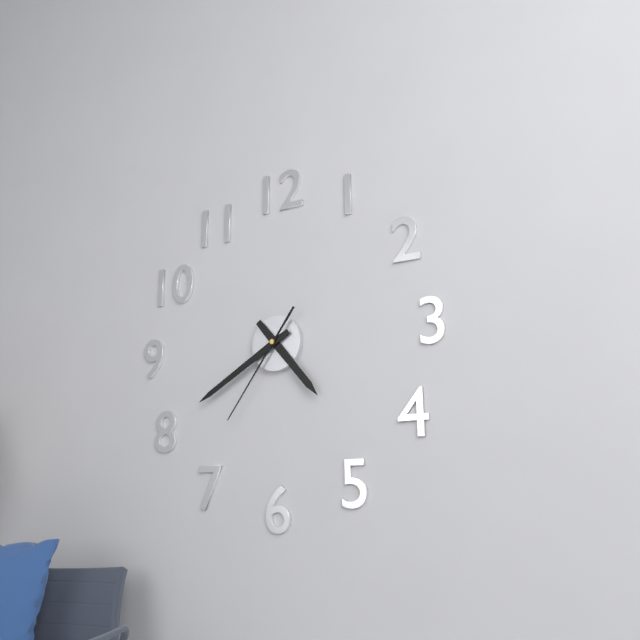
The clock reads 4.40.36
